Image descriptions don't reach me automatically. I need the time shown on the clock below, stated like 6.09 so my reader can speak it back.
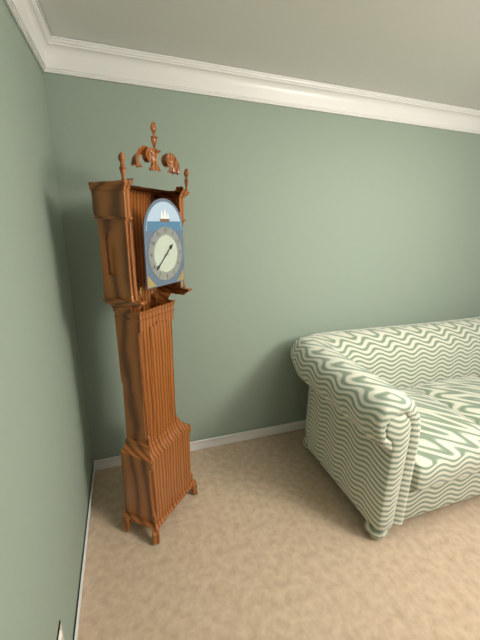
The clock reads 1.38
